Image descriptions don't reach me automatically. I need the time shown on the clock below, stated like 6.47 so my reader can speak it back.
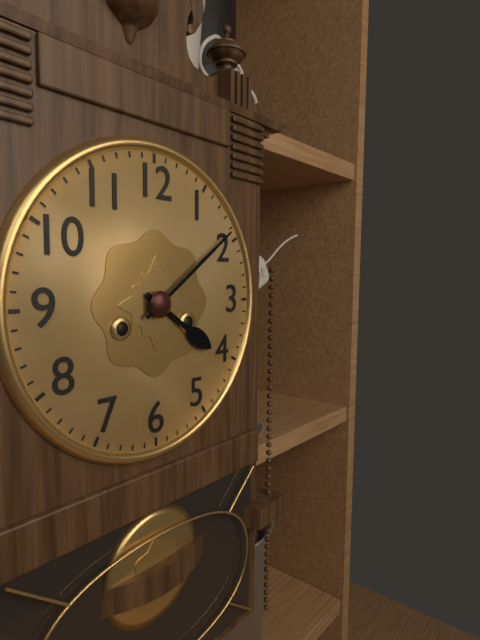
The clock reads 4.09
